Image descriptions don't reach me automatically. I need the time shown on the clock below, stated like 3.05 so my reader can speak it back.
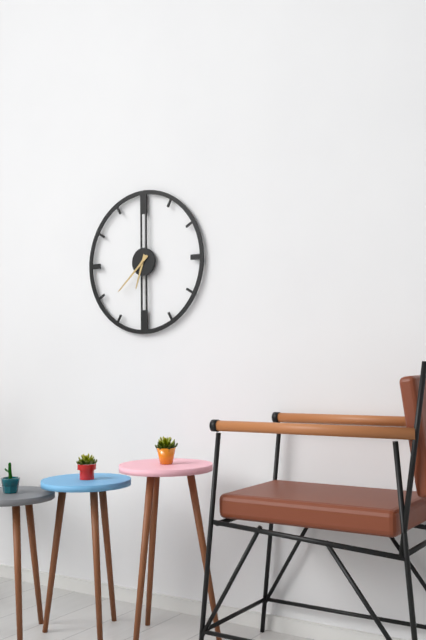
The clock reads 6.38
